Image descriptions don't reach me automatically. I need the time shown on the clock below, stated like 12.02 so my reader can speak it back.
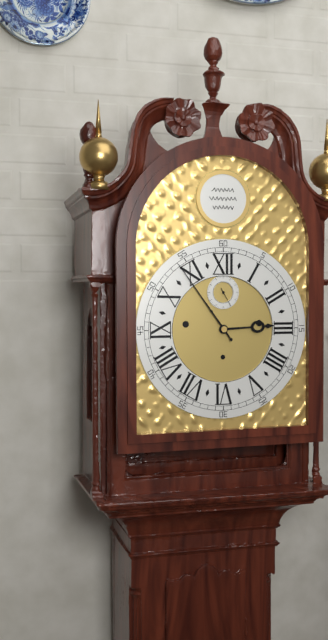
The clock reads 2.54
